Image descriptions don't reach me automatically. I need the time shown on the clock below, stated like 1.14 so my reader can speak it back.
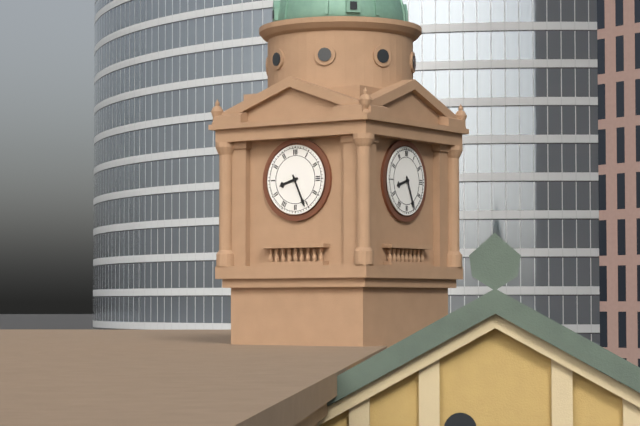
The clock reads 8.26
